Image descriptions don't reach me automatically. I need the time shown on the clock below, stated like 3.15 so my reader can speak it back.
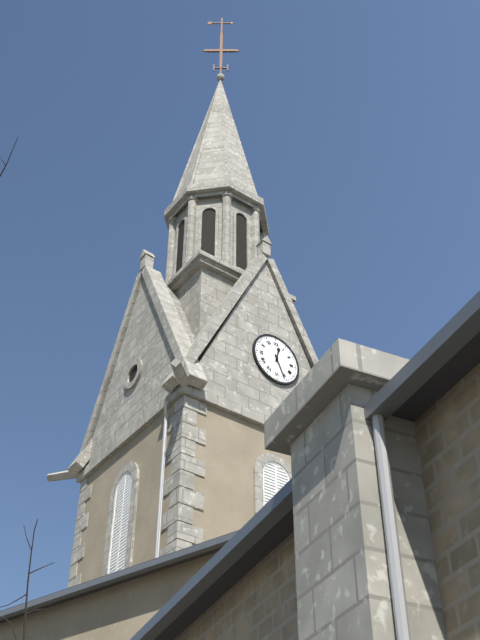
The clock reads 12.26
